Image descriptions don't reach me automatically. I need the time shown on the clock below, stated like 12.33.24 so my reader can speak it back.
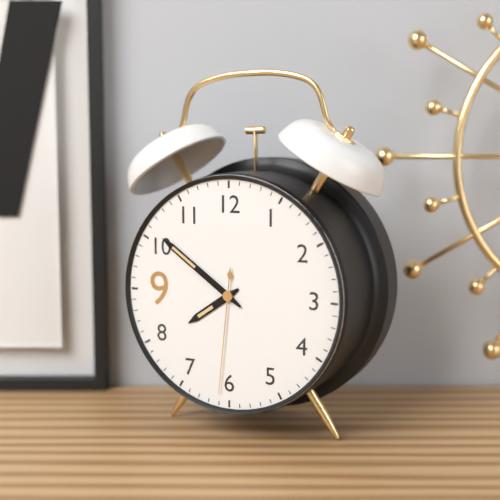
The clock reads 7.51.31
